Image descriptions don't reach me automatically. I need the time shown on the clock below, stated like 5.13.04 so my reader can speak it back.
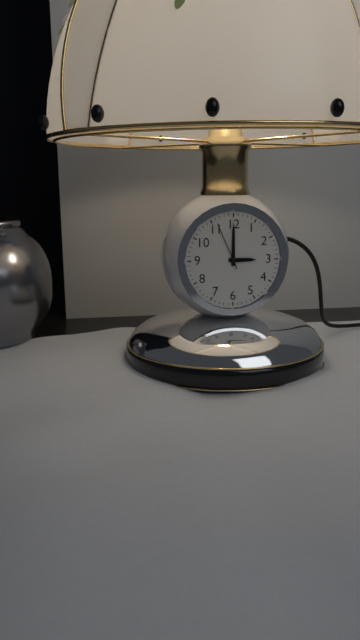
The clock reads 3.00.56
